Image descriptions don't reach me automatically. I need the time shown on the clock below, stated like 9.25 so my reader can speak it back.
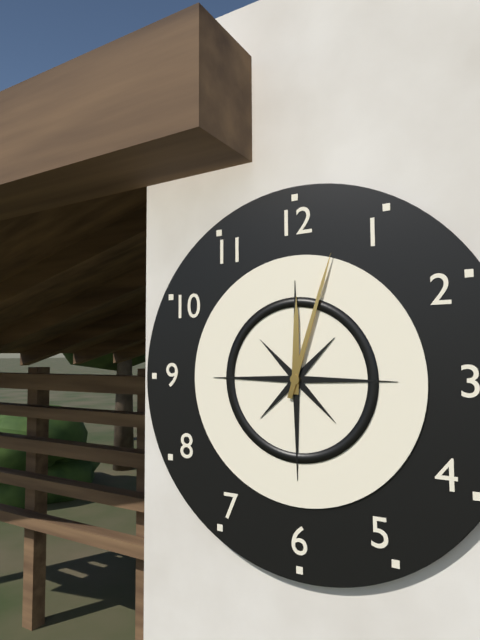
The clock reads 12.03
